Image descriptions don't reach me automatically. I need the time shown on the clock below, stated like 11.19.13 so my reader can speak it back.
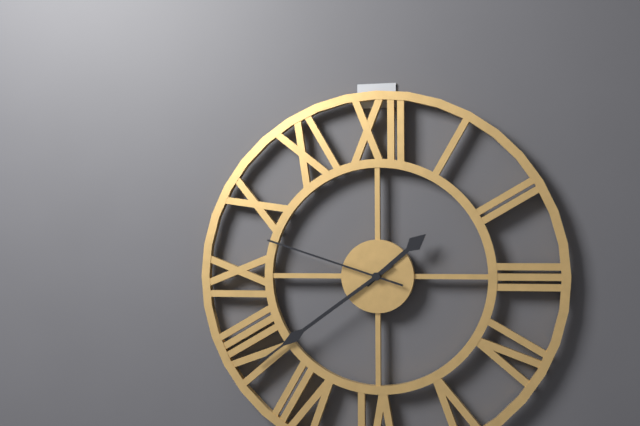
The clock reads 1.39.48
